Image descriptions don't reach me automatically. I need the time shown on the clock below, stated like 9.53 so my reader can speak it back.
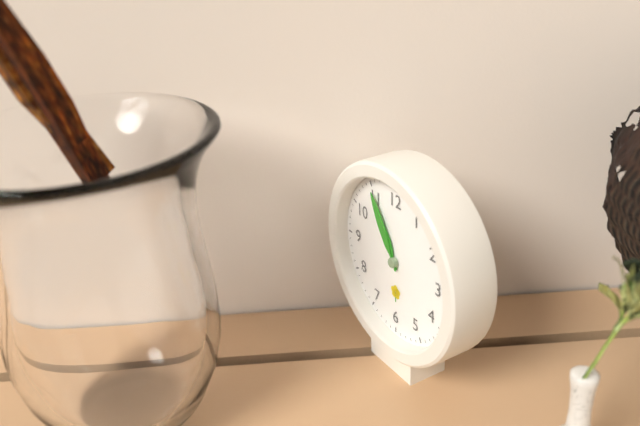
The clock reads 10.55
